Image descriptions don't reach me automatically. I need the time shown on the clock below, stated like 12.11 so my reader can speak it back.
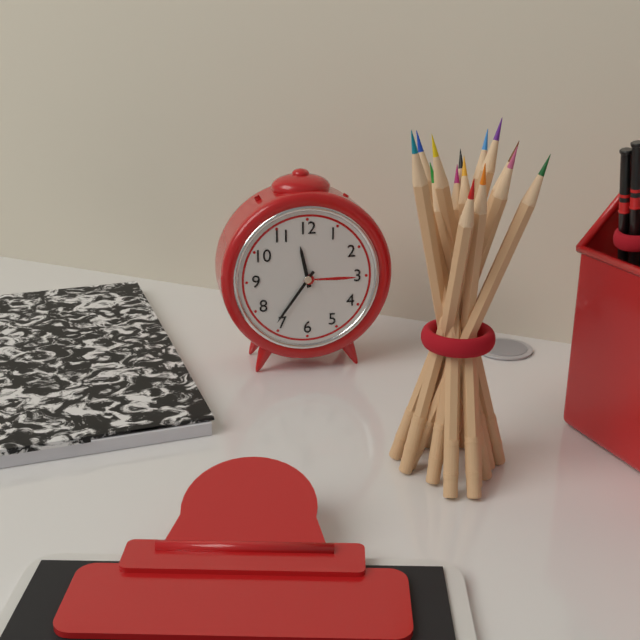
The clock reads 11.36
